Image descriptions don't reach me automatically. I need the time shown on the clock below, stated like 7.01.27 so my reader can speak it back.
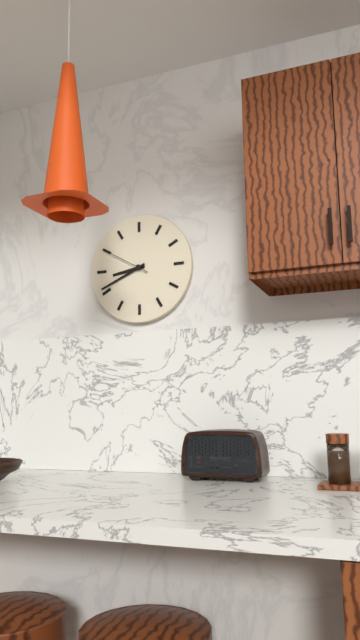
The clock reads 8.41.50
